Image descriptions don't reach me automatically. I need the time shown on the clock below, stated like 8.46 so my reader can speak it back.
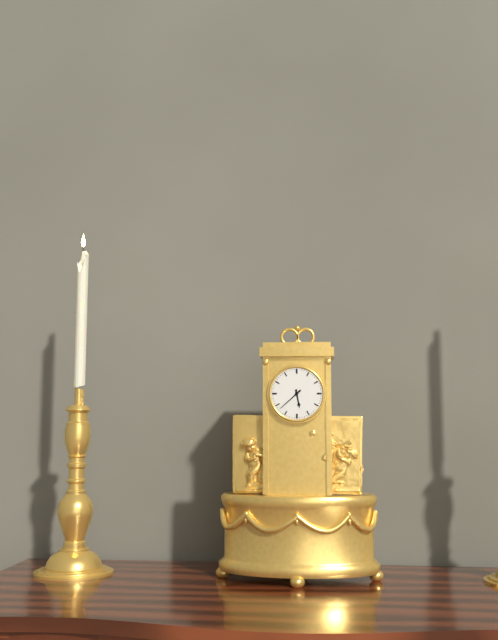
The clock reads 5.38
